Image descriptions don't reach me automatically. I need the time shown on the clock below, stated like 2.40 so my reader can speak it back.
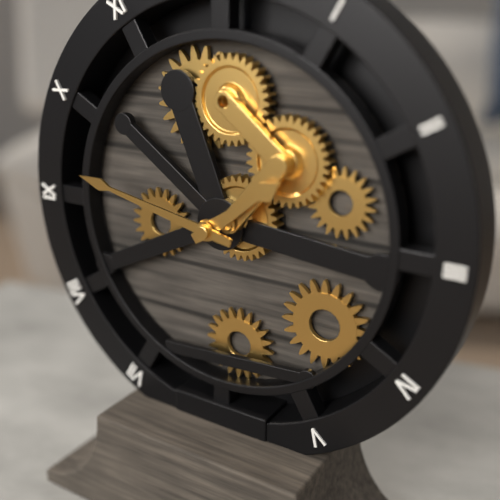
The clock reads 1.47
